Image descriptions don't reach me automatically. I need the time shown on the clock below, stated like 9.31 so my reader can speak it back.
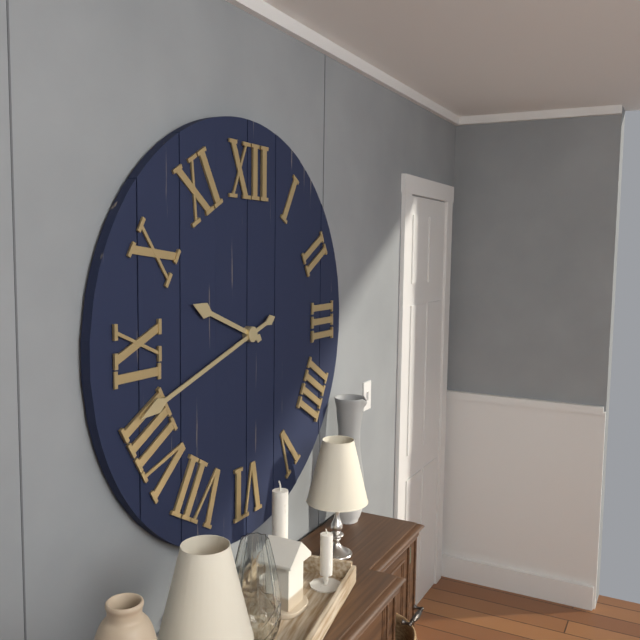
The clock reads 9.42
